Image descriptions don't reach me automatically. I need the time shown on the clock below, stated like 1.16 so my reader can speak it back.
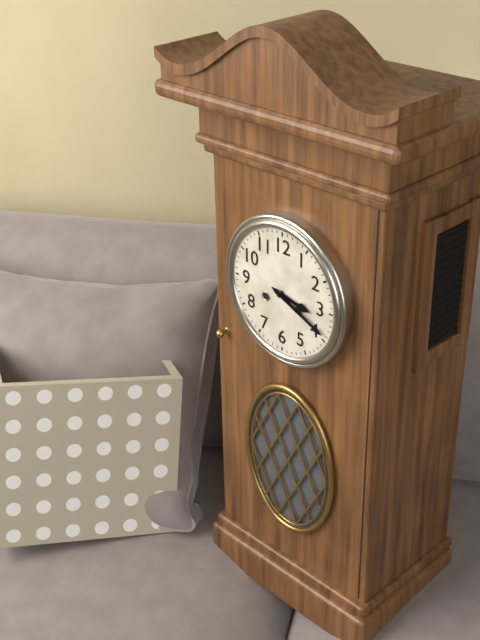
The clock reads 3.19
